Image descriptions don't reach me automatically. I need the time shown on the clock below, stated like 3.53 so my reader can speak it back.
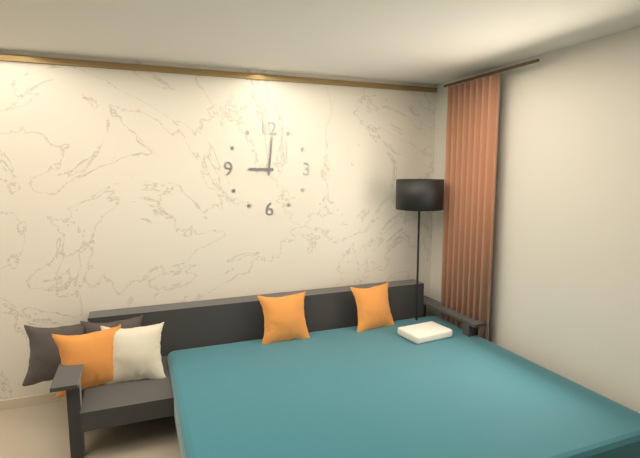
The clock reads 9.01
